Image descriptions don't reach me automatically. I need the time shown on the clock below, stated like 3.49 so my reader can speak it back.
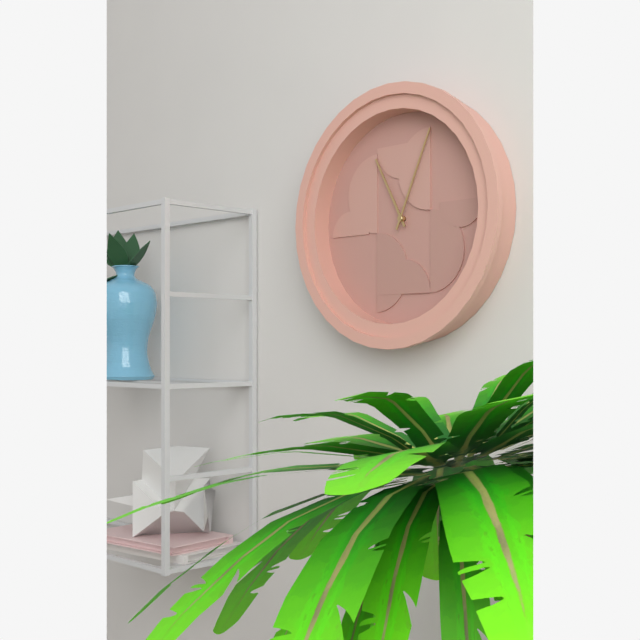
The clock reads 11.04
